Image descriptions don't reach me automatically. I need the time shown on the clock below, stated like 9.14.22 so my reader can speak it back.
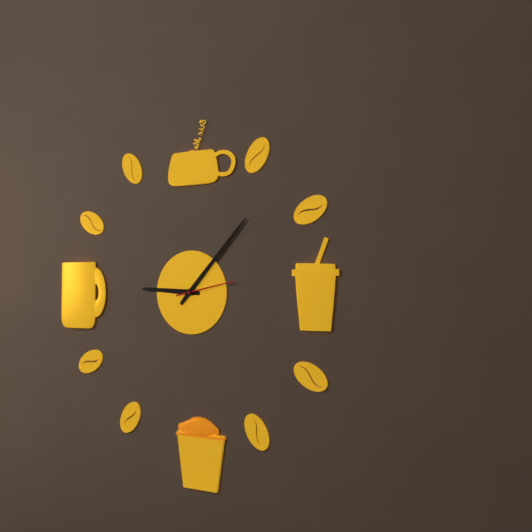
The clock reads 9.07.13
